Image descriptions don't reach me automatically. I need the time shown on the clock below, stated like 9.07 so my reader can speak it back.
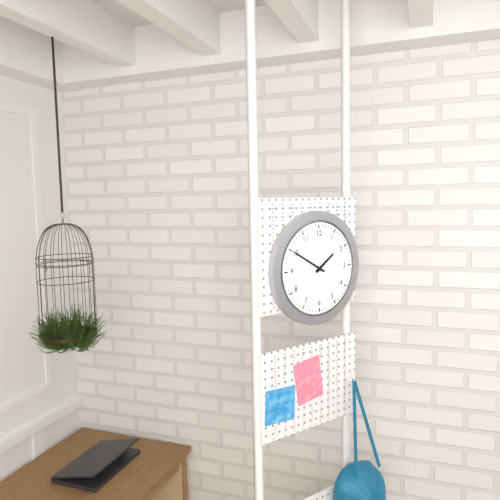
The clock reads 1.50
